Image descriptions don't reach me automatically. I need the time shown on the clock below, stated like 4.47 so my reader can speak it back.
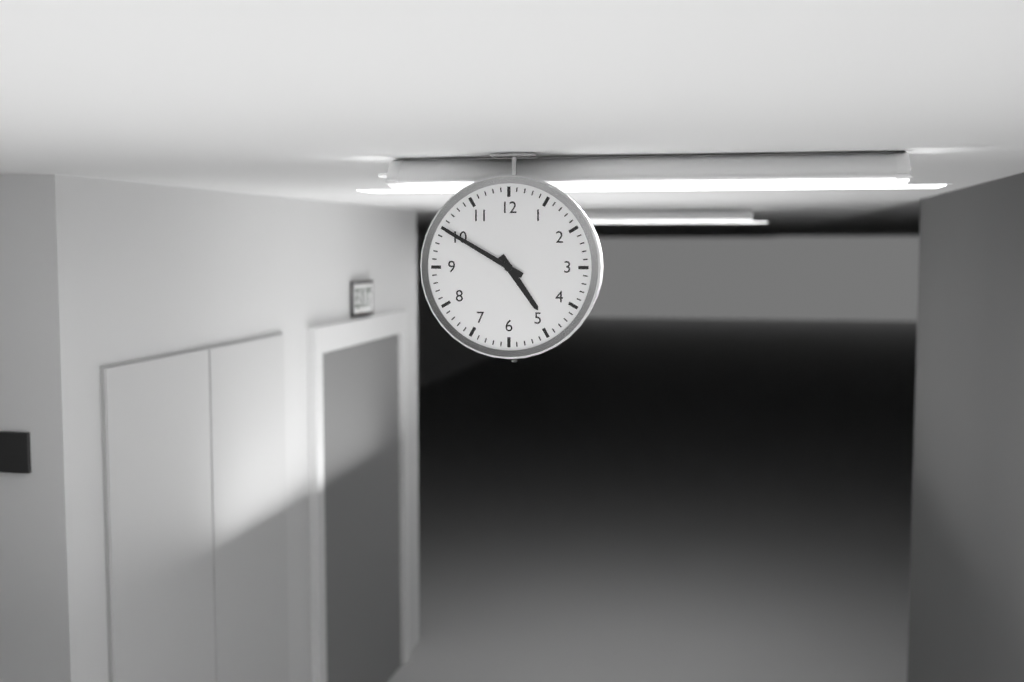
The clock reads 4.50
